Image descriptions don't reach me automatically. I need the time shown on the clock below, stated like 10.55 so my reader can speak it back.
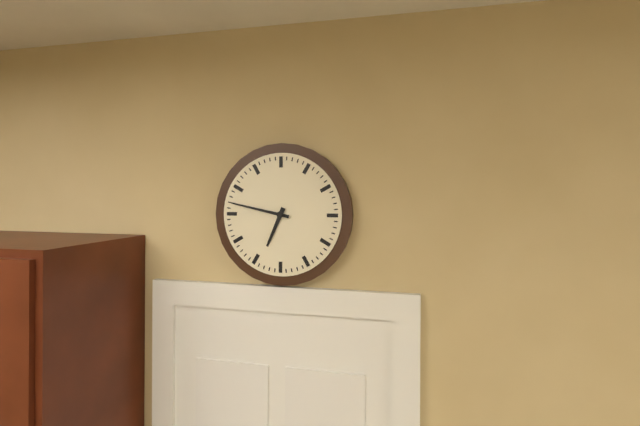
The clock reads 6.47
